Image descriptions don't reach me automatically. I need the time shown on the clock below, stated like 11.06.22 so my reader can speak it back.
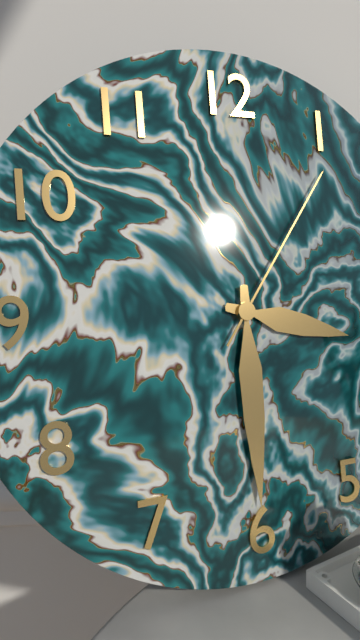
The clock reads 3.30.06
